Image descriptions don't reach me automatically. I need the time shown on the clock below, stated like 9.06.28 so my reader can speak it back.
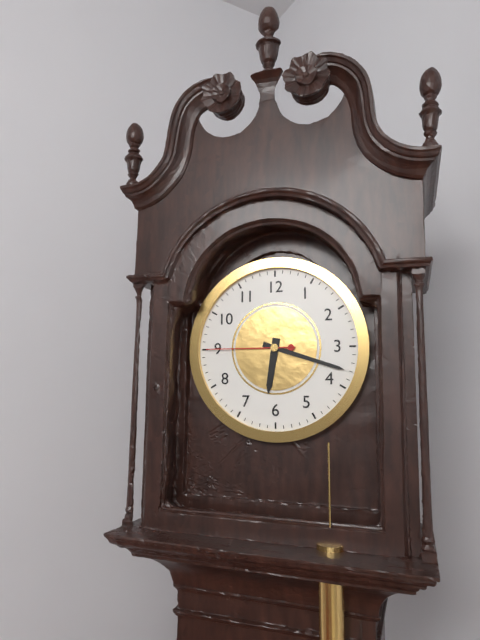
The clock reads 6.18.45
